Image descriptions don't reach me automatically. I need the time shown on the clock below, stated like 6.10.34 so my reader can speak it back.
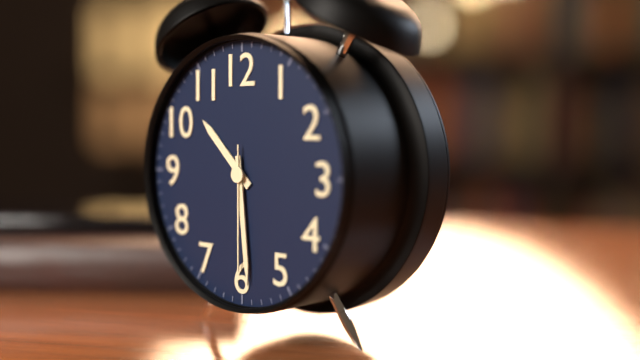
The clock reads 10.29.30
